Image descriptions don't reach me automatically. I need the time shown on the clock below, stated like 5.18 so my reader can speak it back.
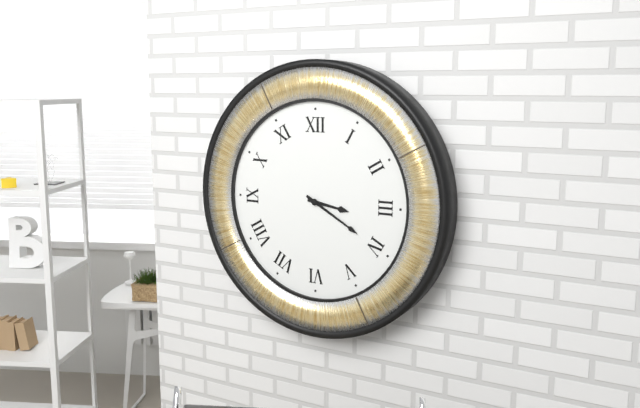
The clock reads 3.20
